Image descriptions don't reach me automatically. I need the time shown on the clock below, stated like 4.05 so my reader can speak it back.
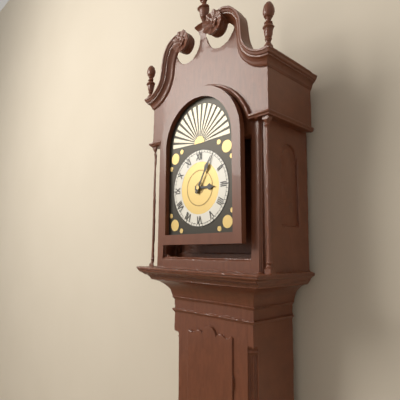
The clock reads 3.05
